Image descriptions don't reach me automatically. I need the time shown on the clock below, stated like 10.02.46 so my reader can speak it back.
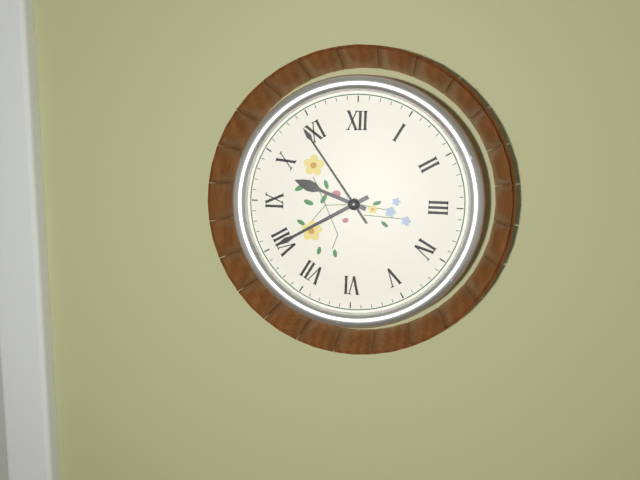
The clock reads 9.40.54
